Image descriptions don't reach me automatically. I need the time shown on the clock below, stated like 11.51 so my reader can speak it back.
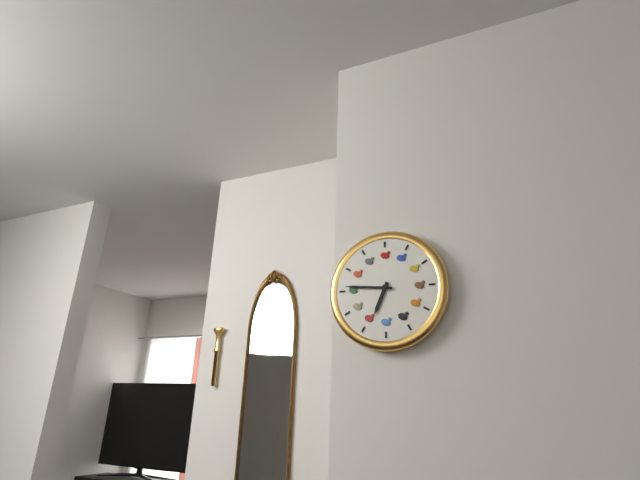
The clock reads 6.46
